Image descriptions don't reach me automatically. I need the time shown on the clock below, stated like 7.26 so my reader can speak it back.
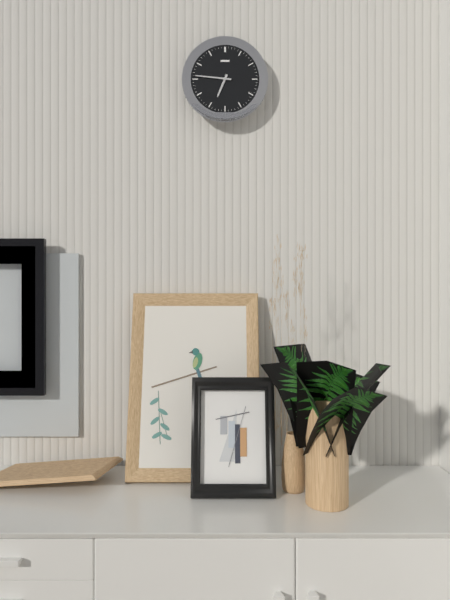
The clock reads 6.46
